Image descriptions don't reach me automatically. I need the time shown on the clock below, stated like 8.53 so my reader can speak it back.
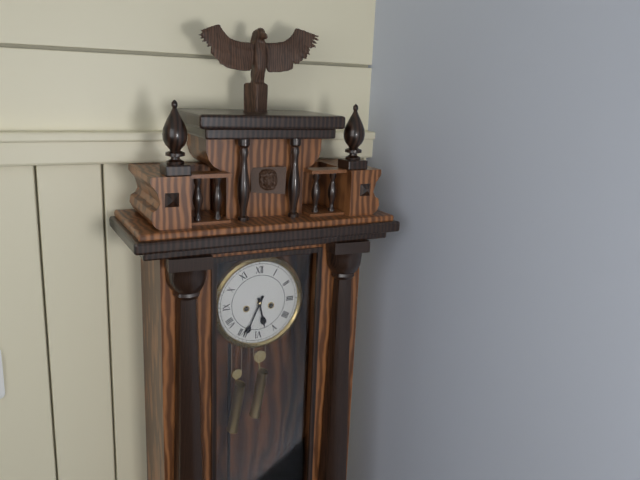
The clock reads 5.34
